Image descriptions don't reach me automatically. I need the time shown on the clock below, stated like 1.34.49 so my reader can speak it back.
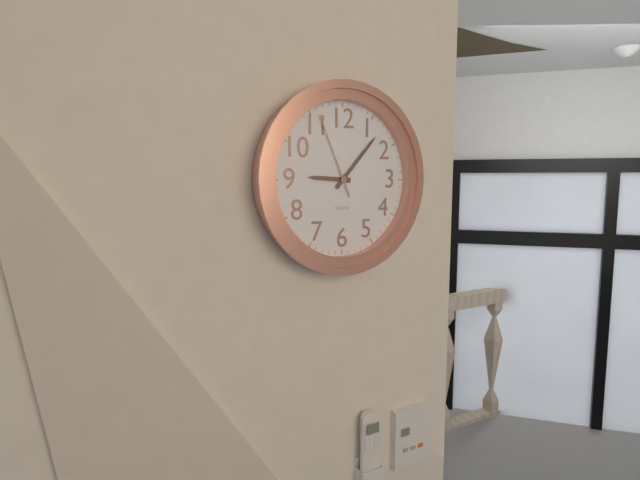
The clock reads 9.07.56
